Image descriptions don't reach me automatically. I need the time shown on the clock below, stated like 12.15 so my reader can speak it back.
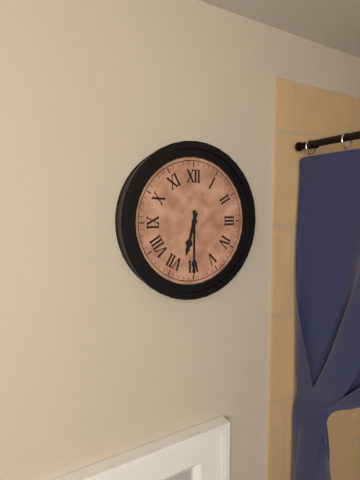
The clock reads 6.30
